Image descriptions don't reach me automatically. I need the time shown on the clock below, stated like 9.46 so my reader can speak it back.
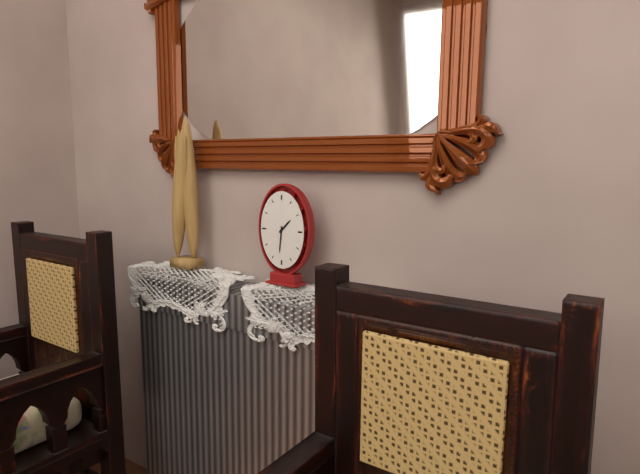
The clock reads 1.31
